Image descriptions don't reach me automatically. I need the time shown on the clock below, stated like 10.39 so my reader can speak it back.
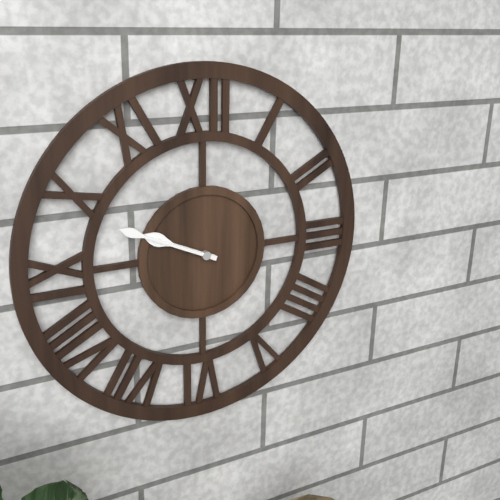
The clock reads 9.49
